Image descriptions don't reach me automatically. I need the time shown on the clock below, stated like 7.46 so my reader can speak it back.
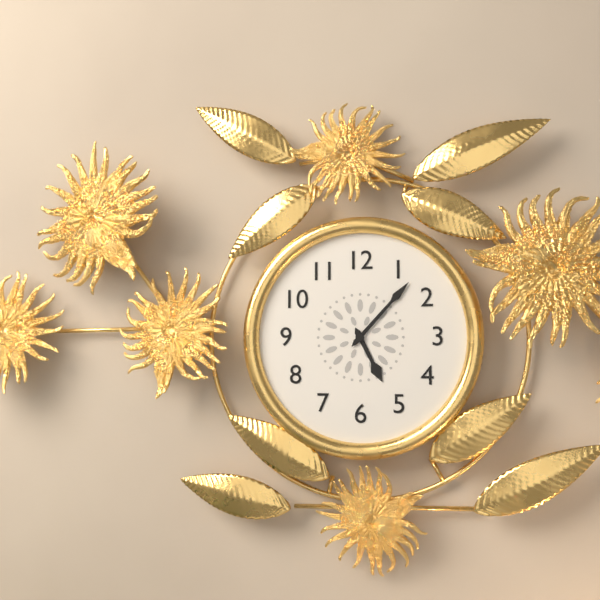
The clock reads 5.07
